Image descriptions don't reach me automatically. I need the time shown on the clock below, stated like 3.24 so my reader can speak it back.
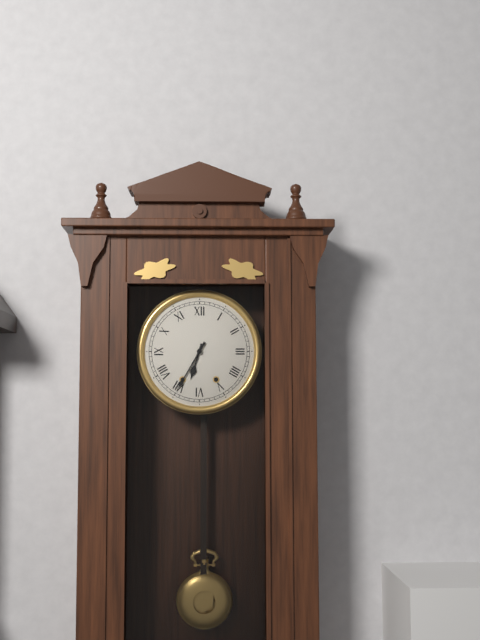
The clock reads 6.35
